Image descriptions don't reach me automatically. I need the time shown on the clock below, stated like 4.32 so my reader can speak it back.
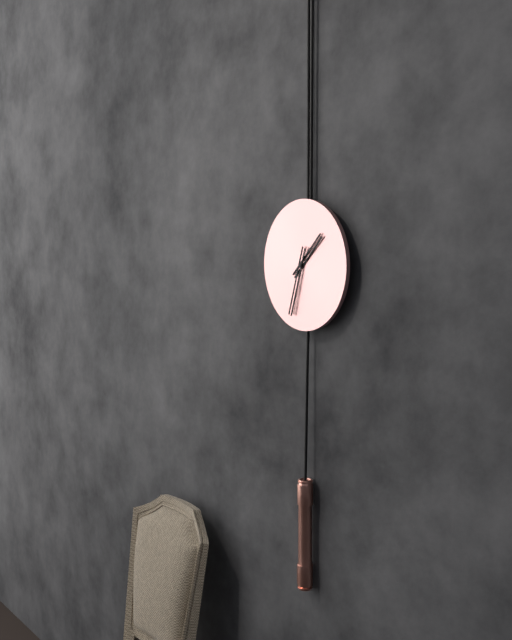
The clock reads 1.33
